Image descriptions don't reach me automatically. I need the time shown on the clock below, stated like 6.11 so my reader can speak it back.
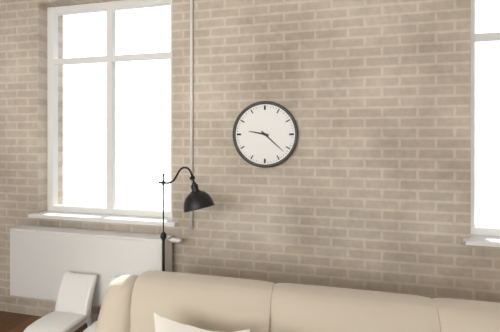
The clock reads 9.22
